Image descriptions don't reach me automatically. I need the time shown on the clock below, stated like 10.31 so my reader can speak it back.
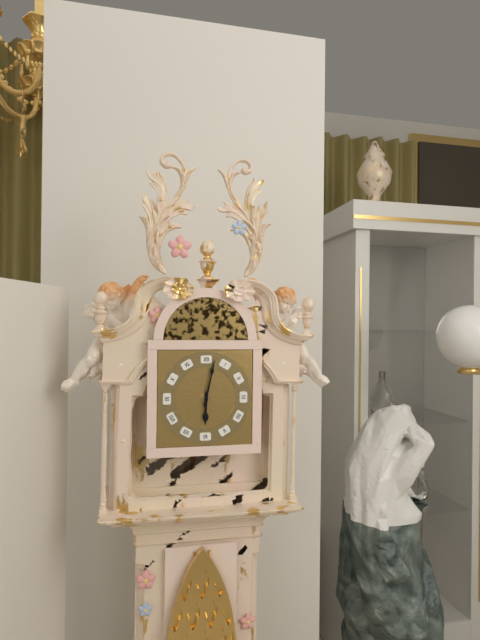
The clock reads 6.02
